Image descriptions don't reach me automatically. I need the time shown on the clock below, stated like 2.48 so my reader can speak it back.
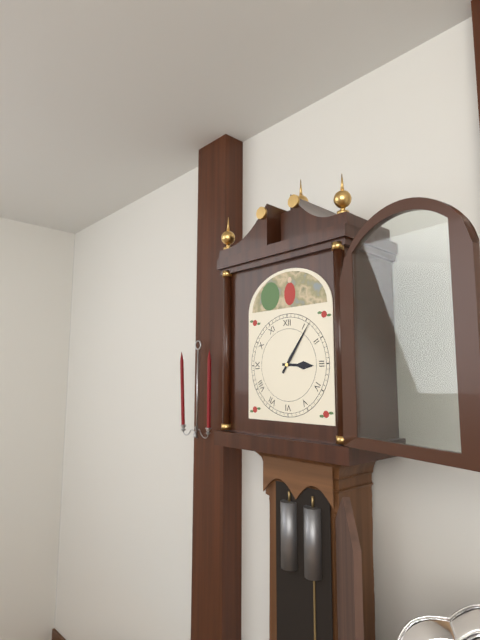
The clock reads 3.06
